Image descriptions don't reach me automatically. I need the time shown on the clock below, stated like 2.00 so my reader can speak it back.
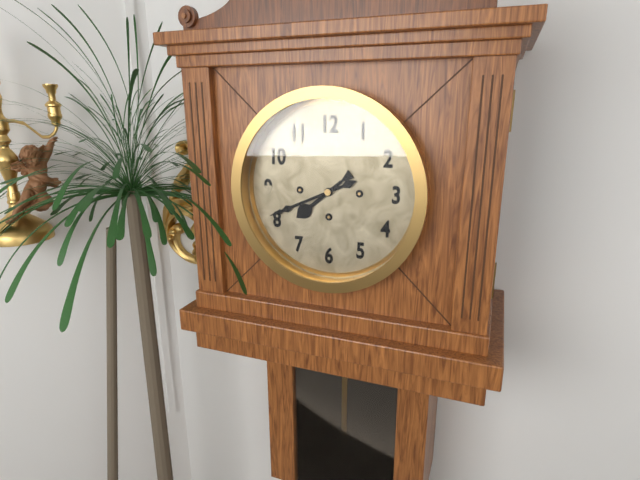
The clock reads 7.41
